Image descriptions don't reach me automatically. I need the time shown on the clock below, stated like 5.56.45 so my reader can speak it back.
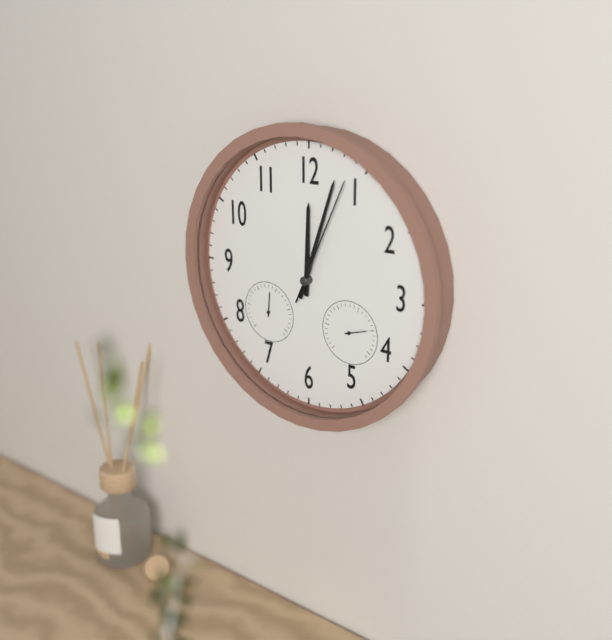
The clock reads 12.03.04
